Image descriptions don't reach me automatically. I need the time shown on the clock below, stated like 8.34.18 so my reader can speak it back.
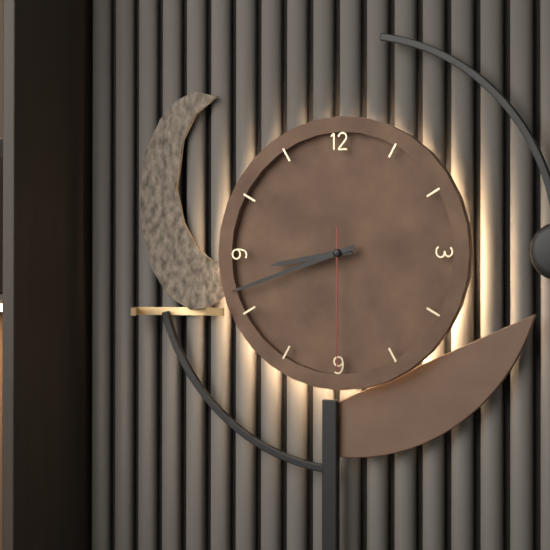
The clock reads 8.42.30
